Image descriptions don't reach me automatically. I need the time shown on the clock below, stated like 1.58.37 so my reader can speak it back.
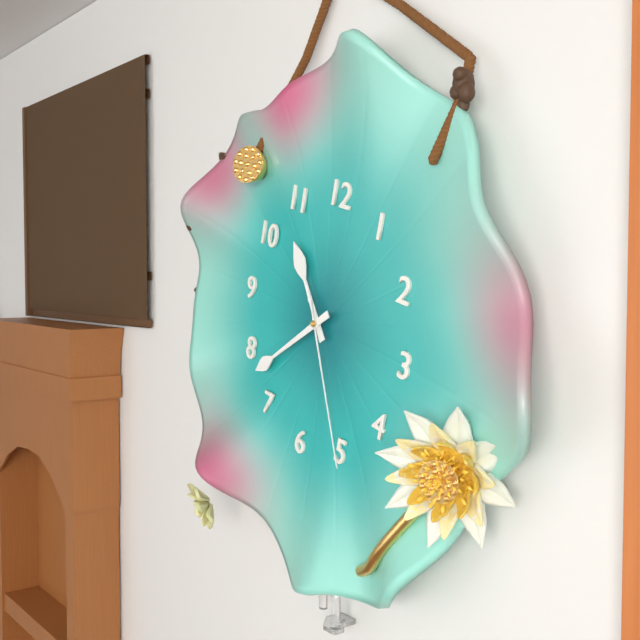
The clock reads 10.38.25
